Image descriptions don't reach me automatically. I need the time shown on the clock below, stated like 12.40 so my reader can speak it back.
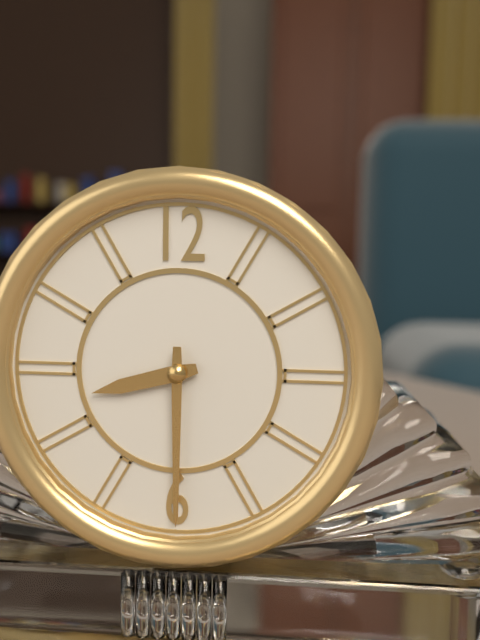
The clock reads 8.30
